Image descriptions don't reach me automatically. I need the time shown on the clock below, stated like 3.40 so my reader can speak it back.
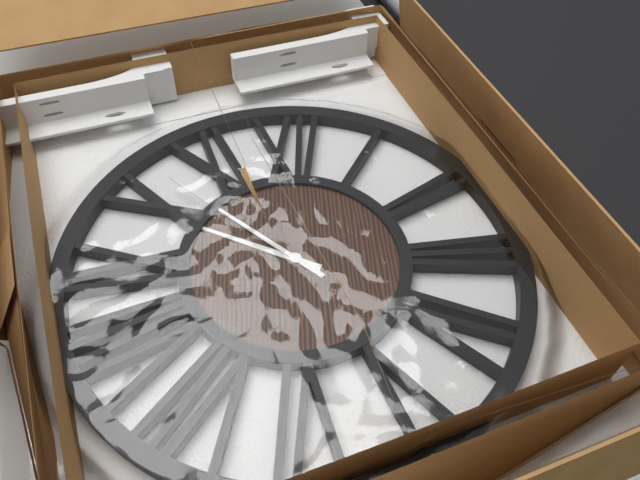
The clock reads 9.52
